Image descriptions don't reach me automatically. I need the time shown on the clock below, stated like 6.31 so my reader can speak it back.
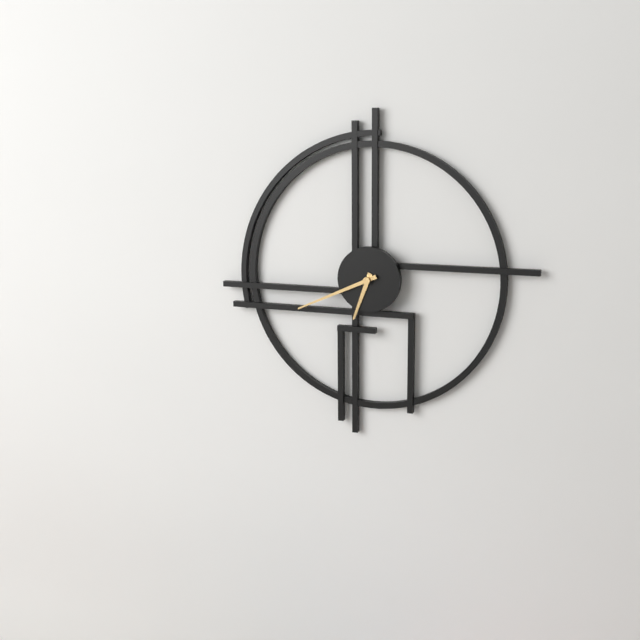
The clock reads 6.41
